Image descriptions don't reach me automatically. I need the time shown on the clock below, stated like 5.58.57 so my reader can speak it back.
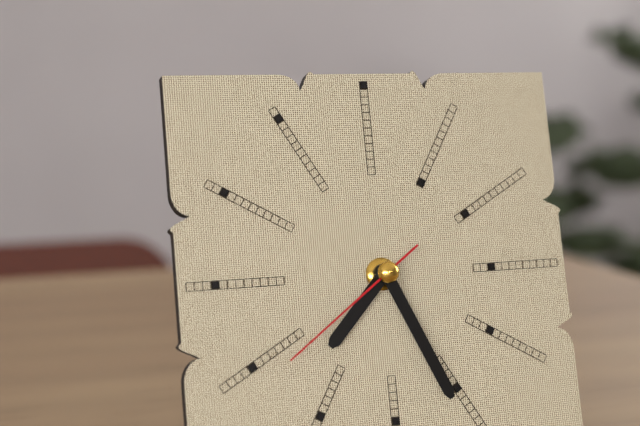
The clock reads 7.26.39
